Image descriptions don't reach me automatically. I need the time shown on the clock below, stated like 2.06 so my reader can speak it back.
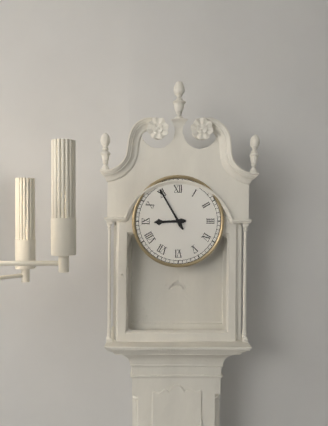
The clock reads 8.55
